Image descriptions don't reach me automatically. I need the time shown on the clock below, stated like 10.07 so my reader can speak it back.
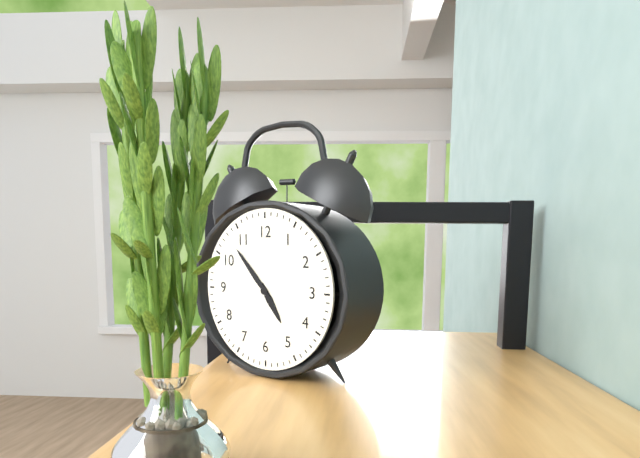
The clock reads 4.53
